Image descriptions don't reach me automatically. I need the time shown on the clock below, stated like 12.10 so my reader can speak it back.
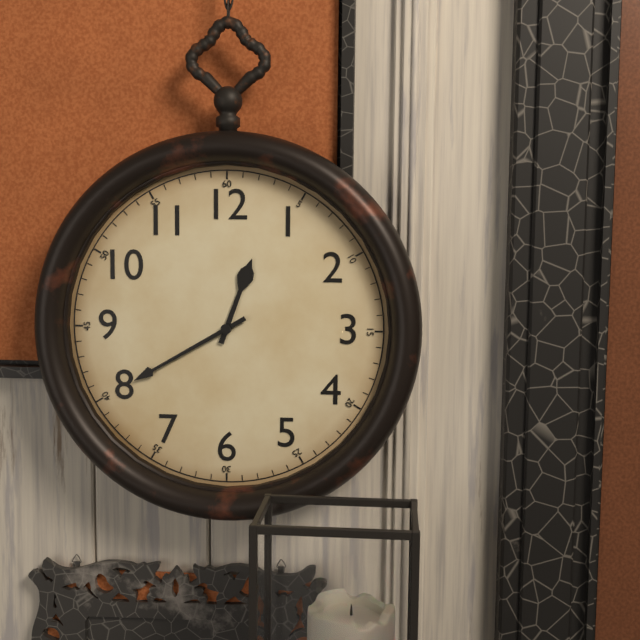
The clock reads 12.40
